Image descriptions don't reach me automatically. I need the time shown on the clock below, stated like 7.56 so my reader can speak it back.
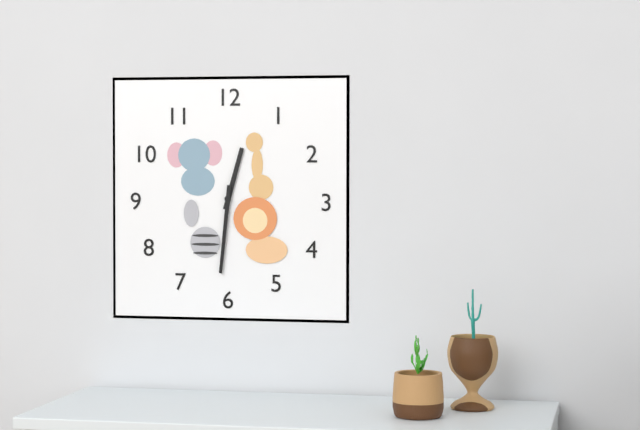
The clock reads 12.31
